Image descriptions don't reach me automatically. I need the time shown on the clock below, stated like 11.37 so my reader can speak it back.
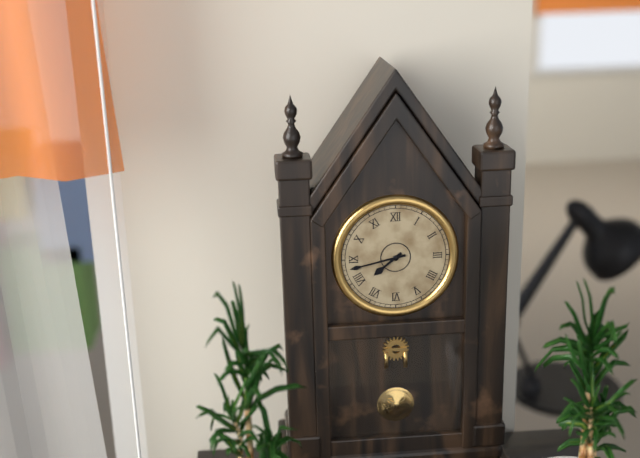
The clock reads 7.43
